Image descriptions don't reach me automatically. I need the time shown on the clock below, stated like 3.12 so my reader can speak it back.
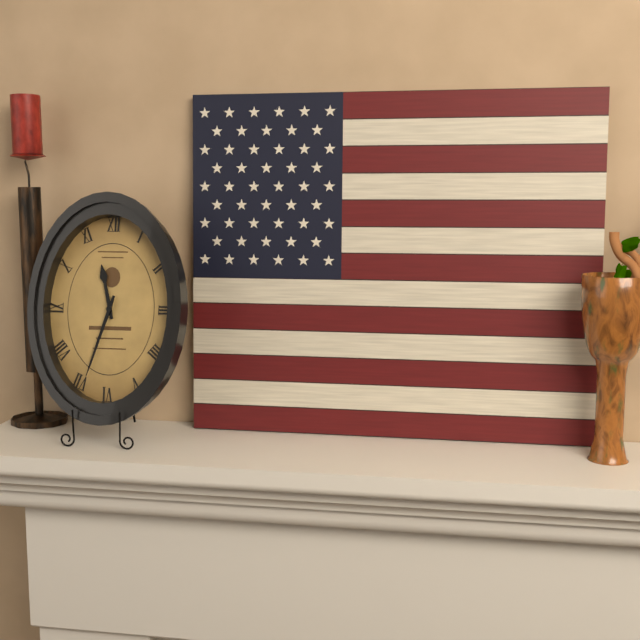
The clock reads 11.33
